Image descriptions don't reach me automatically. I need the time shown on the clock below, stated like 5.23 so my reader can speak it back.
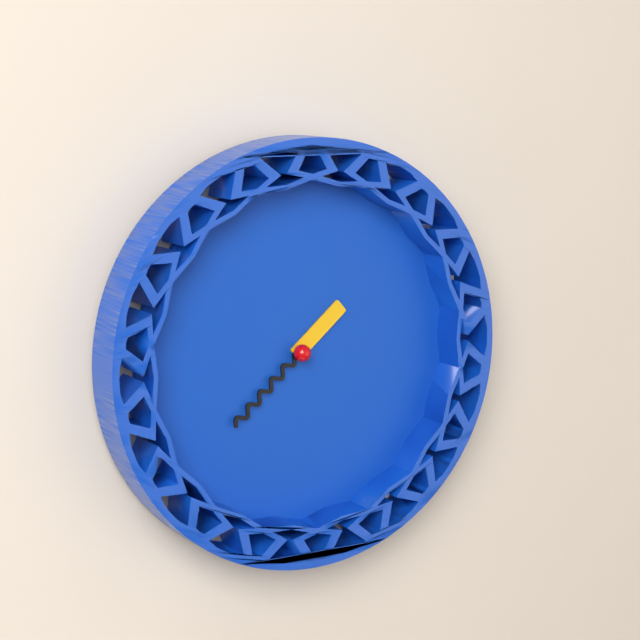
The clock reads 1.38
